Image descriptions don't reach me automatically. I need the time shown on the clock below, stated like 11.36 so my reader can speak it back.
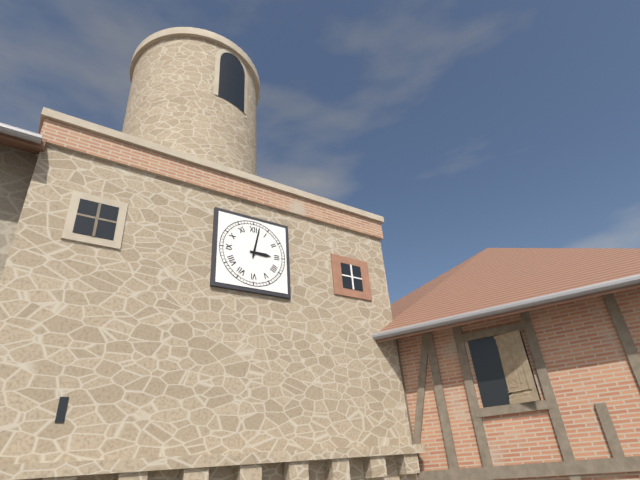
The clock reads 3.02
